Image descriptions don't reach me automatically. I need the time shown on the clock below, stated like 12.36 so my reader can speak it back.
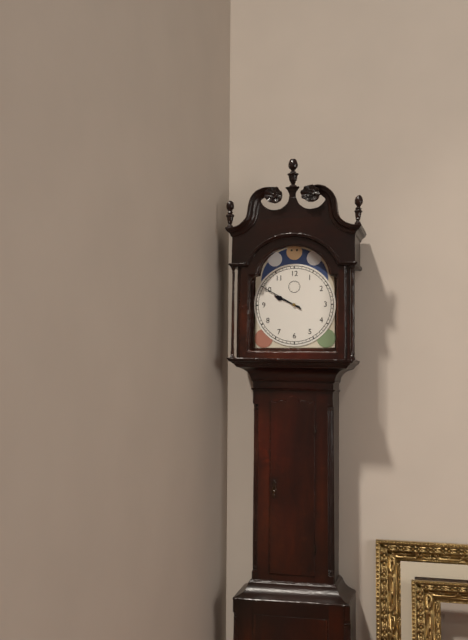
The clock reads 9.50
